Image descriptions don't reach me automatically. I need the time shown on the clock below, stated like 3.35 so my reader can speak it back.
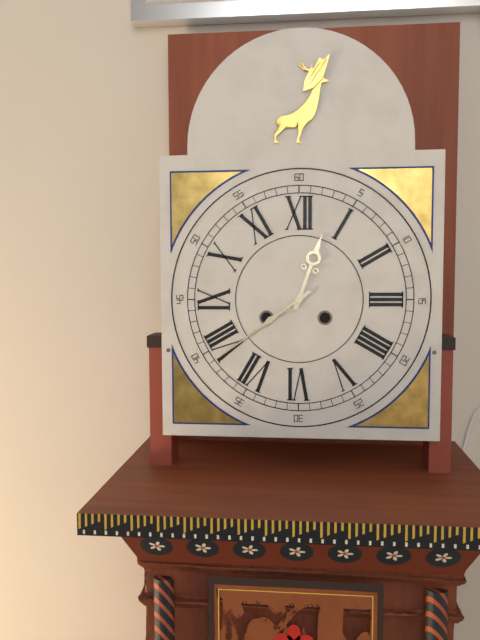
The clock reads 12.39
